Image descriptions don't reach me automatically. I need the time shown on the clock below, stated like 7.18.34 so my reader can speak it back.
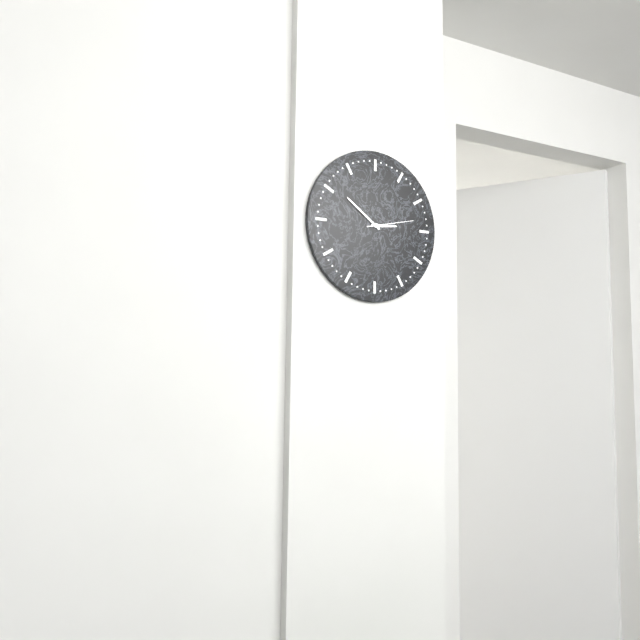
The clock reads 2.51.13
